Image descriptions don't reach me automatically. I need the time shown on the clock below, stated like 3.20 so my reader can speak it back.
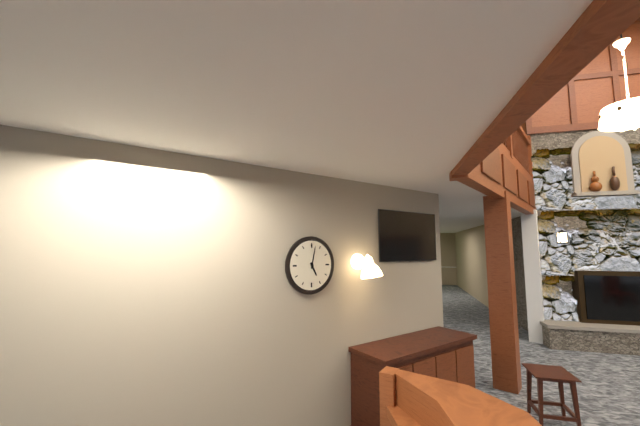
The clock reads 5.02
